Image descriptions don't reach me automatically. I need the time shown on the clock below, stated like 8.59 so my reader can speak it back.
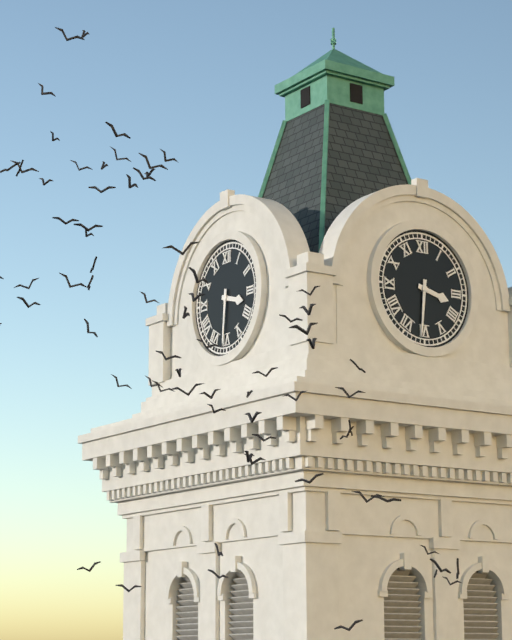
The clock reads 3.31
